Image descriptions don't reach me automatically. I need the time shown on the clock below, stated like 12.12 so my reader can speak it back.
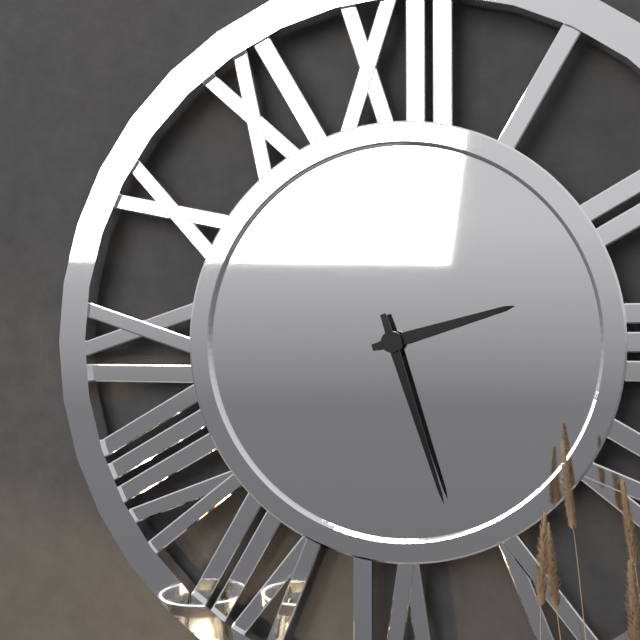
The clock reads 2.27
